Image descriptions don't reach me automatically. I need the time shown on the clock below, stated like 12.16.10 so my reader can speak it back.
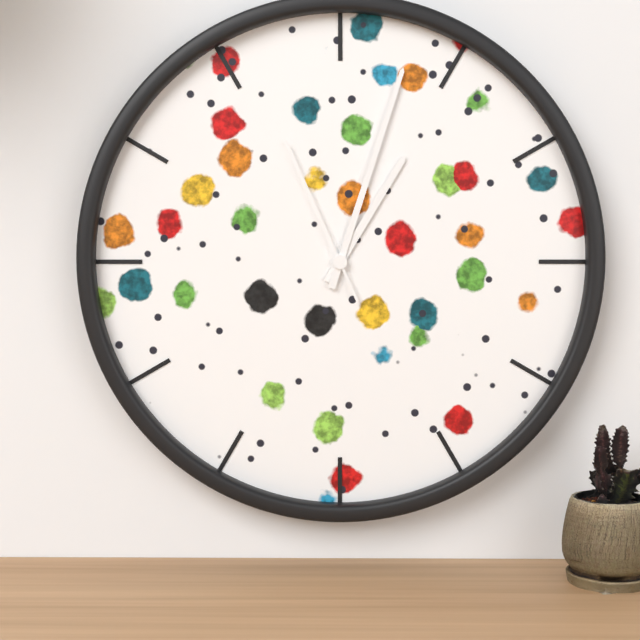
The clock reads 1.03.56
